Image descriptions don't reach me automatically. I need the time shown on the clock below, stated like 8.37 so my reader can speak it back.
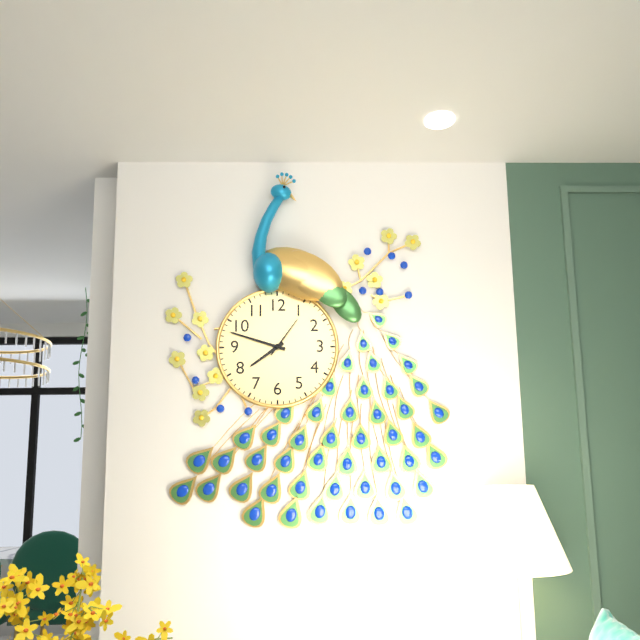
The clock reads 7.48
